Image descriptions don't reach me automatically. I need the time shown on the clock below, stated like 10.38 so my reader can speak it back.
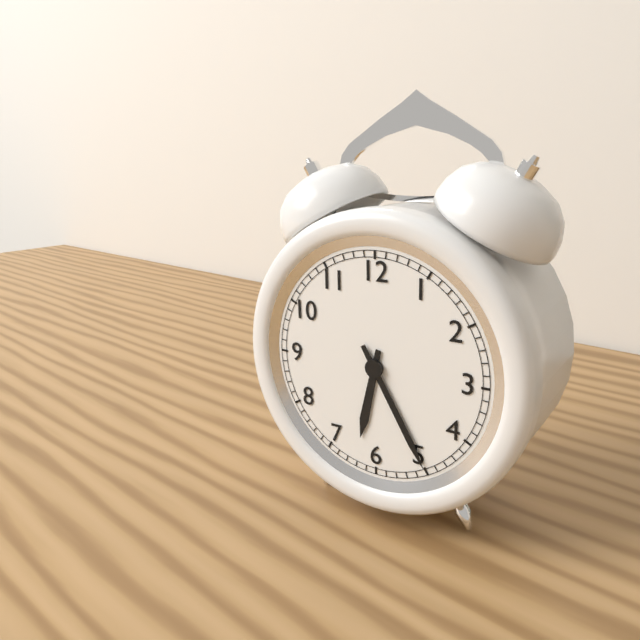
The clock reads 6.25
